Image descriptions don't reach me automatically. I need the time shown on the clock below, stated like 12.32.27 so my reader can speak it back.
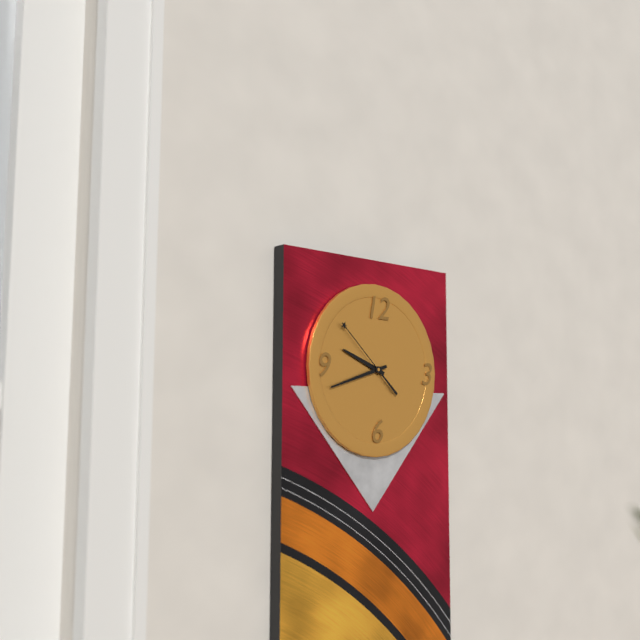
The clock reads 9.42.52
